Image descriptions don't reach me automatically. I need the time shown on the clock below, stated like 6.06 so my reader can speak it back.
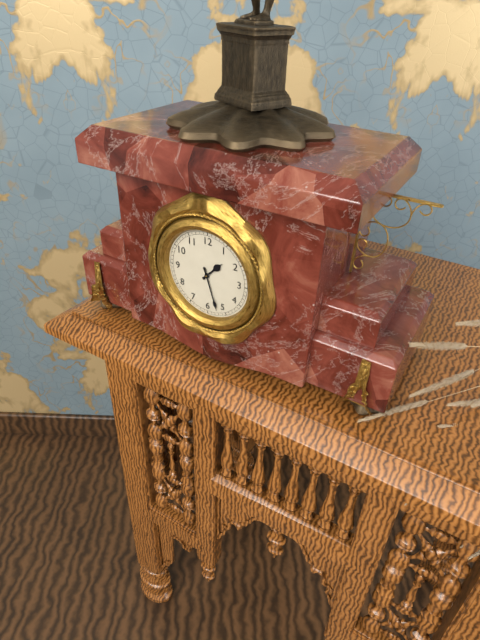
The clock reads 1.27
